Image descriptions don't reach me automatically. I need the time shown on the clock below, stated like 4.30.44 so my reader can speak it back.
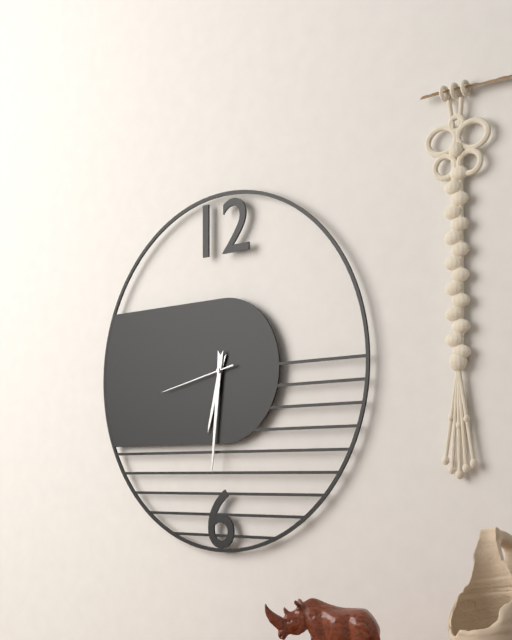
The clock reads 6.31.43
